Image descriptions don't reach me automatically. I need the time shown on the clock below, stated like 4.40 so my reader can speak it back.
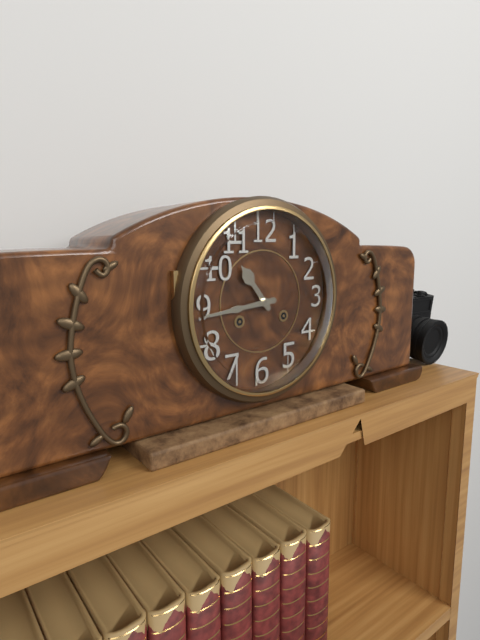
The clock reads 10.44
